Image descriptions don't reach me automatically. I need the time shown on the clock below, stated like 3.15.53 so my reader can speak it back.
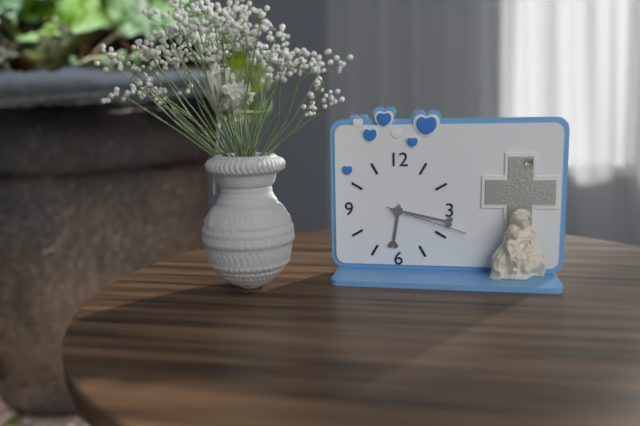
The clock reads 6.17.18
